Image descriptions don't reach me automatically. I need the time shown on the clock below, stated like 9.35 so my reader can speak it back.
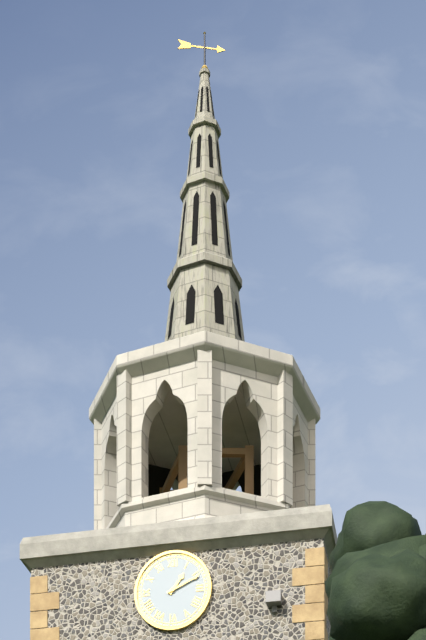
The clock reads 1.11
